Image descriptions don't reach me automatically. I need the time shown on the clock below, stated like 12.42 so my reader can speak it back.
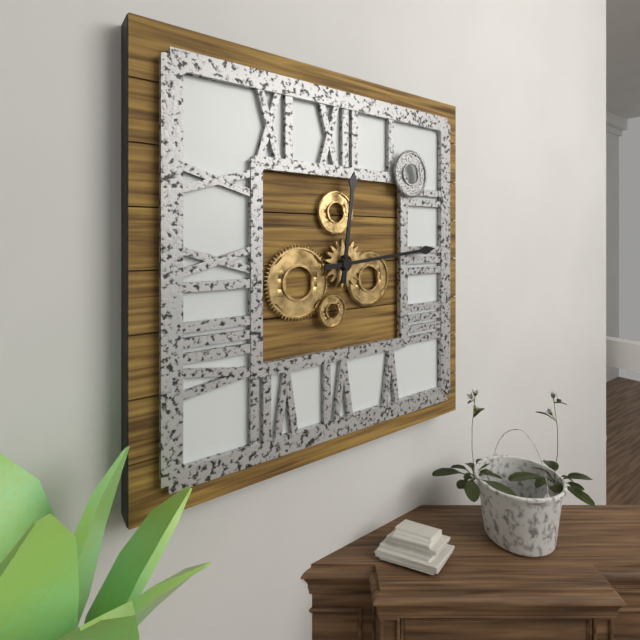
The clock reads 12.14
